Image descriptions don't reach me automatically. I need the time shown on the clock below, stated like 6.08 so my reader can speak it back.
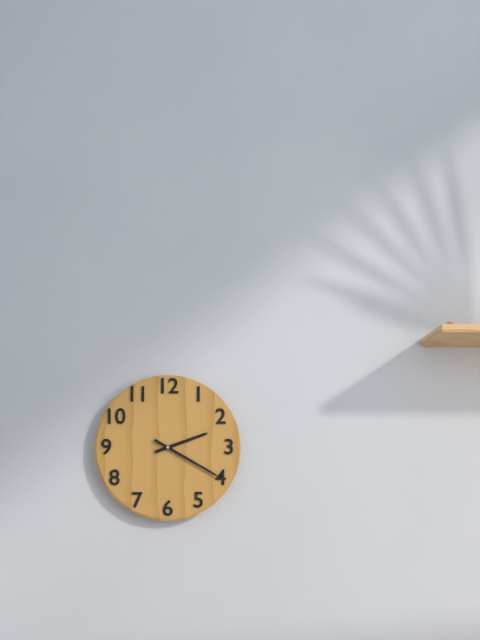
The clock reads 2.20
